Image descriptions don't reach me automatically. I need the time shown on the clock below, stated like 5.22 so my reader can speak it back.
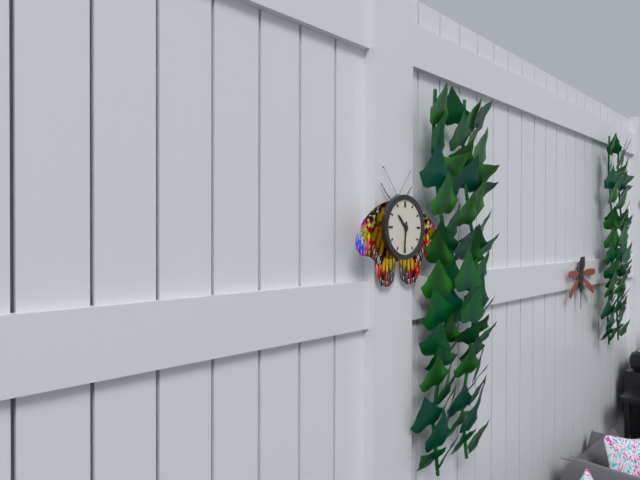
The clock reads 10.31
